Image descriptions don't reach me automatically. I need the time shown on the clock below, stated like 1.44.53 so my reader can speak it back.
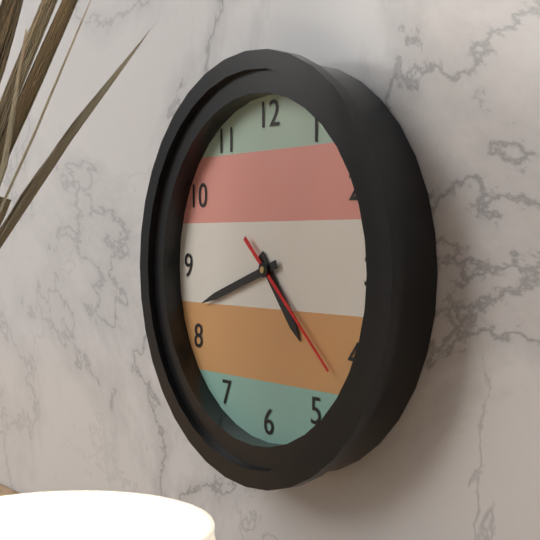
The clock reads 4.42.22
